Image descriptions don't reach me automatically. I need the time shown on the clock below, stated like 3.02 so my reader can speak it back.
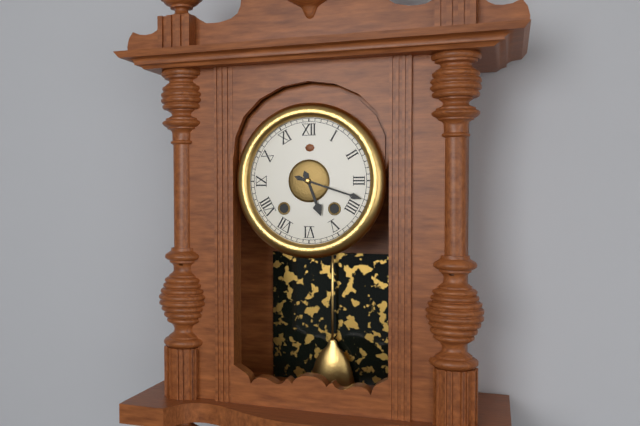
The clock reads 5.18
